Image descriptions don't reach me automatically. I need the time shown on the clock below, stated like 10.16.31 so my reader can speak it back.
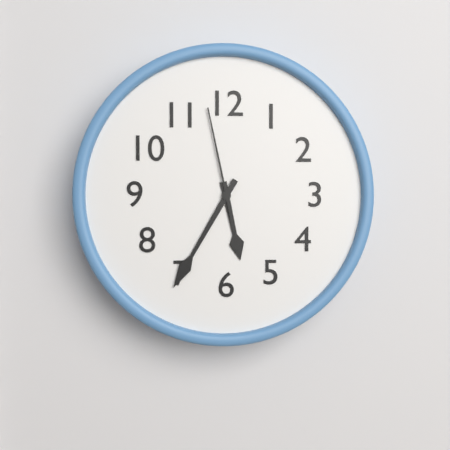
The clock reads 5.35.58
